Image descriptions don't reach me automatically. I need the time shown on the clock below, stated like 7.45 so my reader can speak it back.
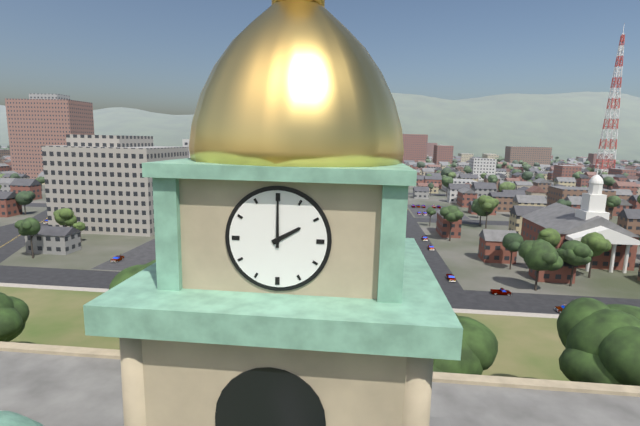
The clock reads 2.00
